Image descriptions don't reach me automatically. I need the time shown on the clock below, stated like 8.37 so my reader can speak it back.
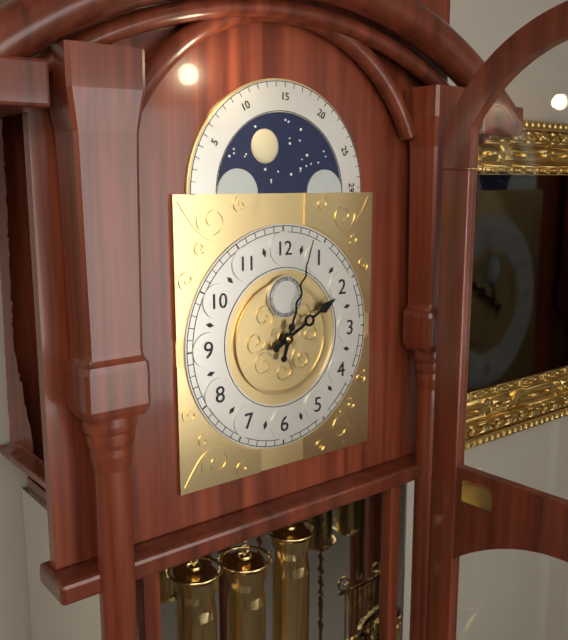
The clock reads 2.03
